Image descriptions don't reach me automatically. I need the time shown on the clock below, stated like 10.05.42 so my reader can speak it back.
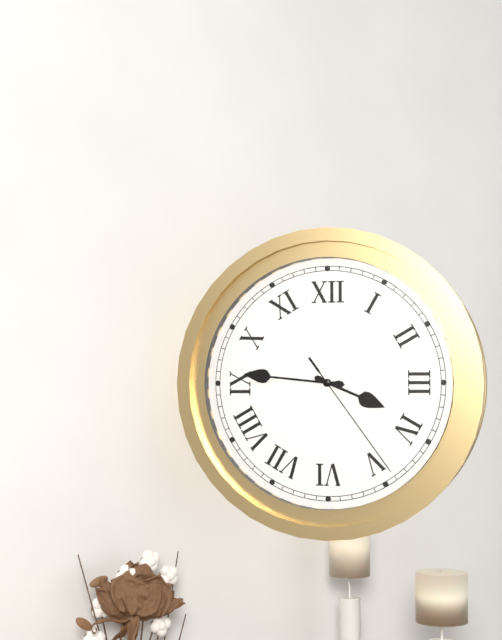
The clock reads 3.46.24
